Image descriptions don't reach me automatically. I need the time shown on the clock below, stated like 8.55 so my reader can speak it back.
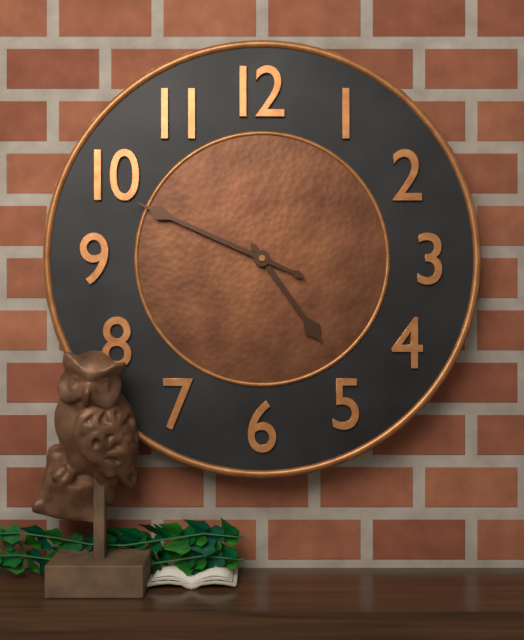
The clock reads 4.49
